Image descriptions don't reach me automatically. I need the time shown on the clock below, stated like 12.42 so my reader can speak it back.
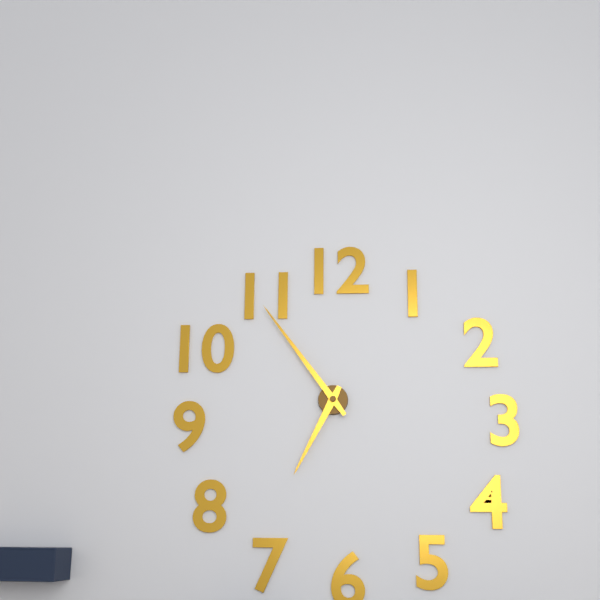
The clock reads 6.54
